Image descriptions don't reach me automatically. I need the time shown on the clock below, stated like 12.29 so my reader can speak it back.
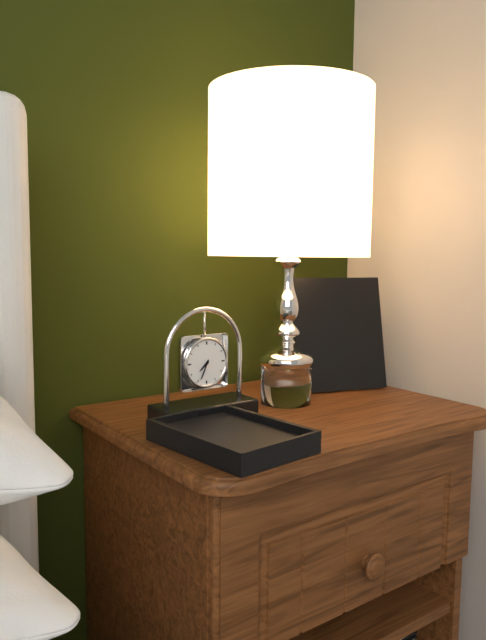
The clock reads 7.34
